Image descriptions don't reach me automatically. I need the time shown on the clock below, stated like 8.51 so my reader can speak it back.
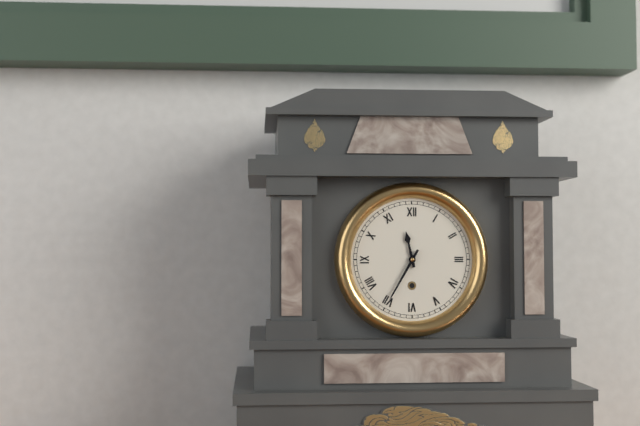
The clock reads 11.35
